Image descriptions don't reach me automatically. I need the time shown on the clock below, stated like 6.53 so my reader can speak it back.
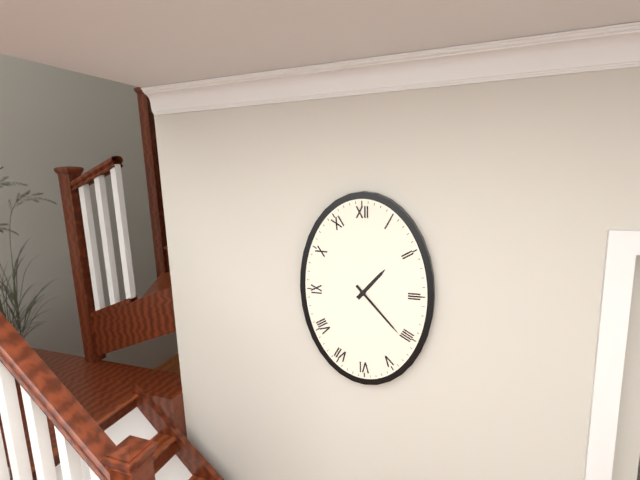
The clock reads 1.23
